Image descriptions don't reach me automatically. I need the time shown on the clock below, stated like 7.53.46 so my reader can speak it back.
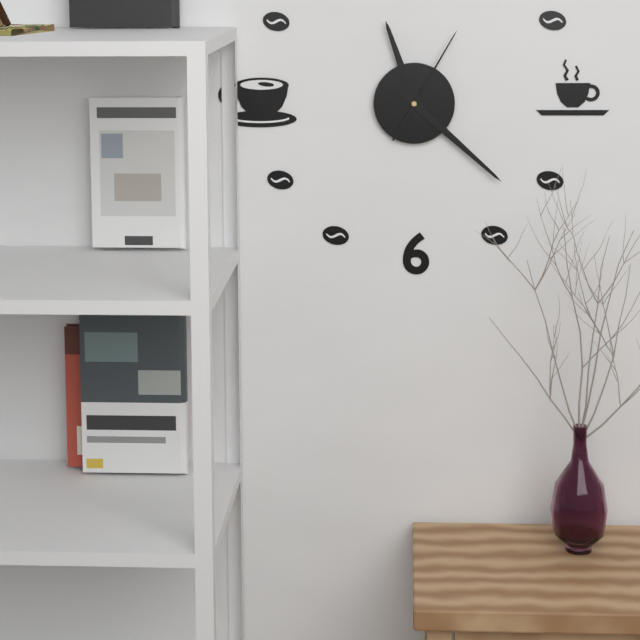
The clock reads 11.22.05
